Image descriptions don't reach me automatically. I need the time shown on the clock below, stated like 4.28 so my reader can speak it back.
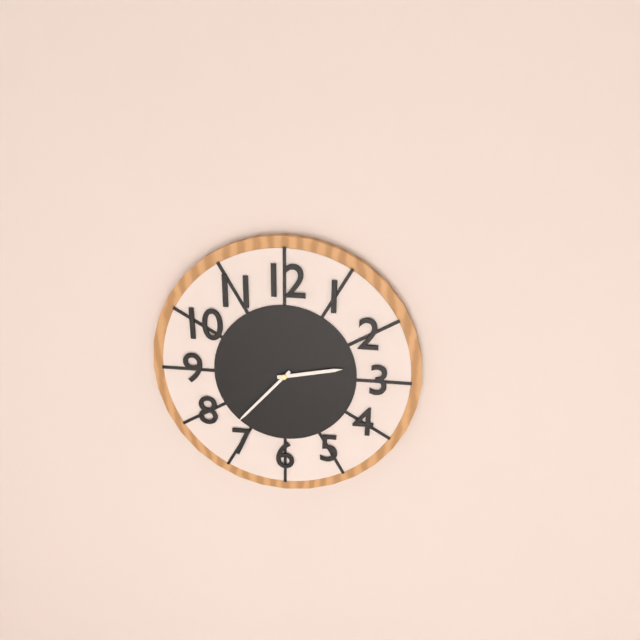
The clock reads 2.37
